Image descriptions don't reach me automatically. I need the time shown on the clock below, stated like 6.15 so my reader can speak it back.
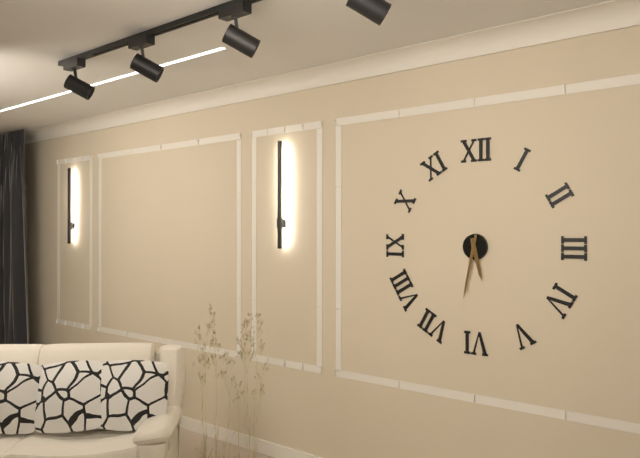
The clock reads 5.32
